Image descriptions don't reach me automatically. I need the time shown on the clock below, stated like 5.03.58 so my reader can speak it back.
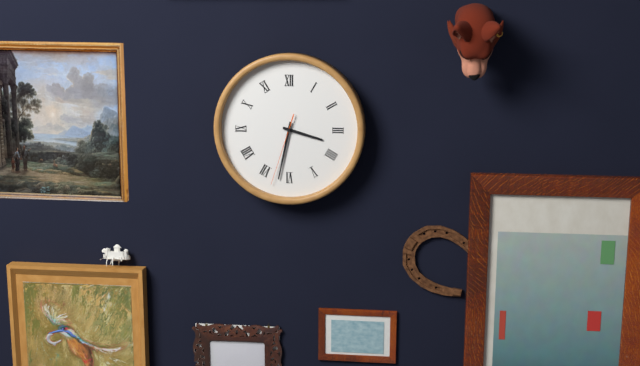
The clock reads 3.32.33
